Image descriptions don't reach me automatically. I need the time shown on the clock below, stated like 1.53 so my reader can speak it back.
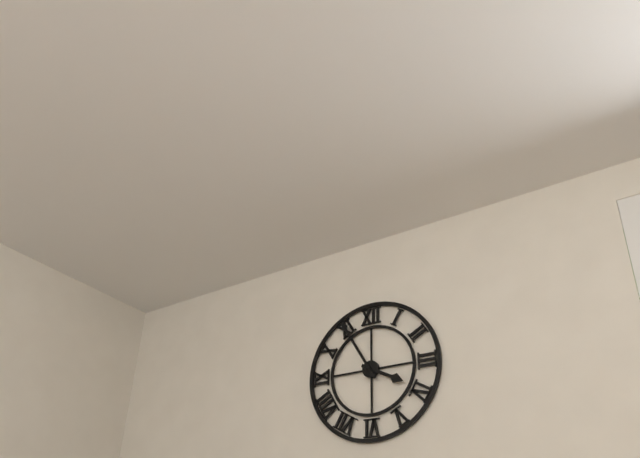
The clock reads 3.55
